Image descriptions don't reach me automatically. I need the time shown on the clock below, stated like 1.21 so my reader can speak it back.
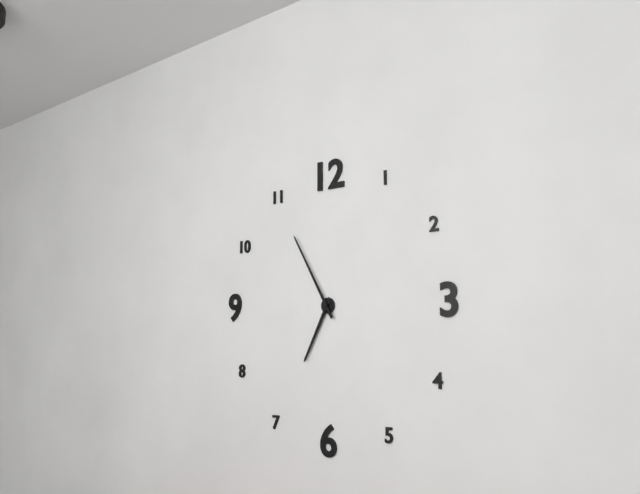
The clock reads 6.55
